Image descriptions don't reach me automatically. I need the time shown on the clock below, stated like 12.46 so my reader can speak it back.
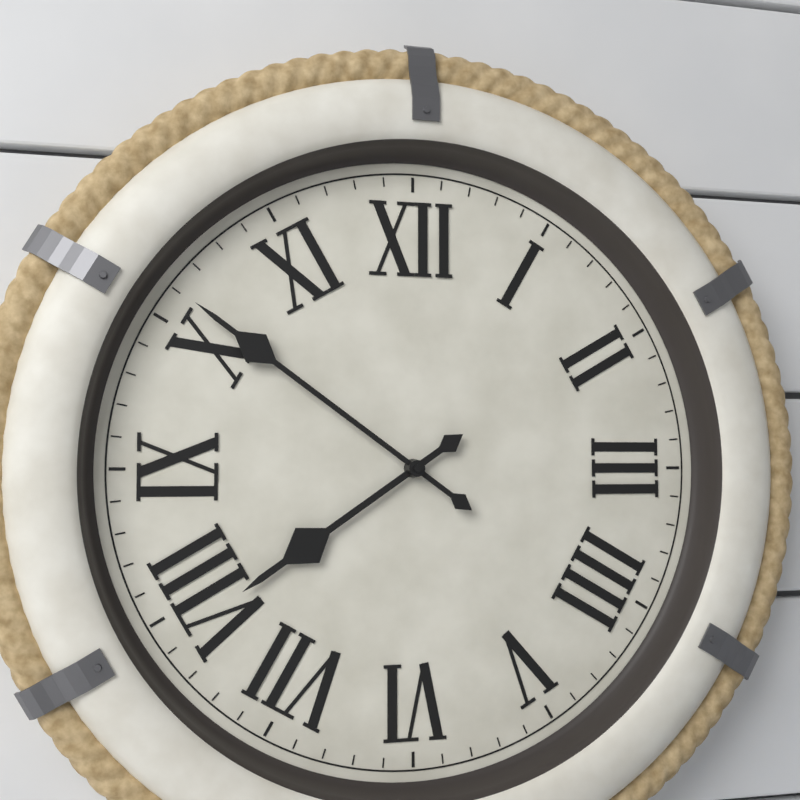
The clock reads 7.51
